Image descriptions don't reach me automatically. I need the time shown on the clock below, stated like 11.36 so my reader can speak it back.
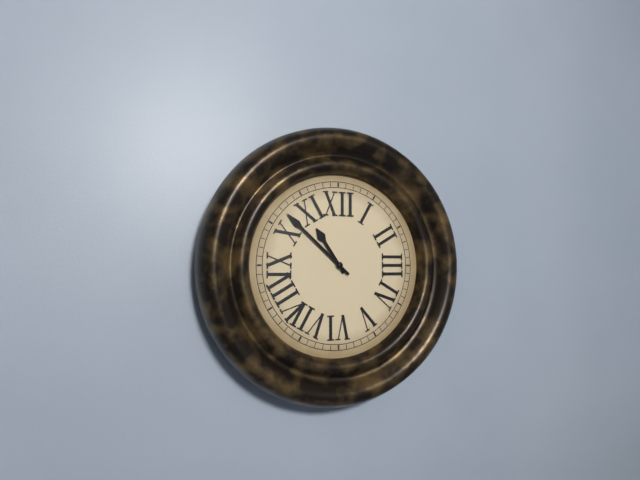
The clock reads 10.52
